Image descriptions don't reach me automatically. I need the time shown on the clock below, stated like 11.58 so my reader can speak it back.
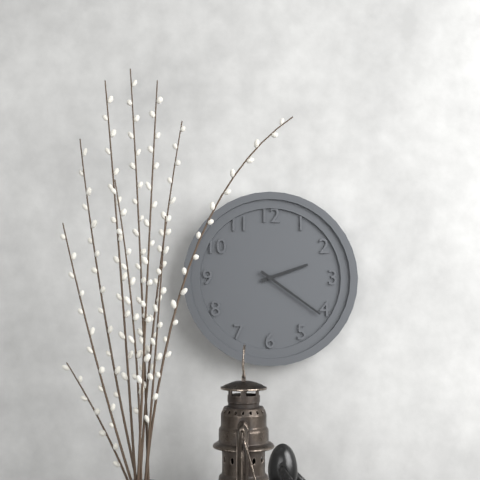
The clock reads 2.21
